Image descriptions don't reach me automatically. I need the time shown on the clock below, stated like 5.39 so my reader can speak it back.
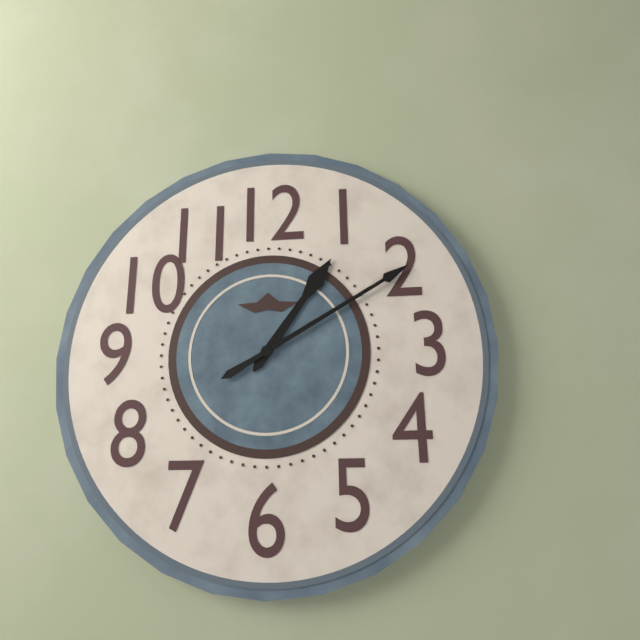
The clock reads 1.10
